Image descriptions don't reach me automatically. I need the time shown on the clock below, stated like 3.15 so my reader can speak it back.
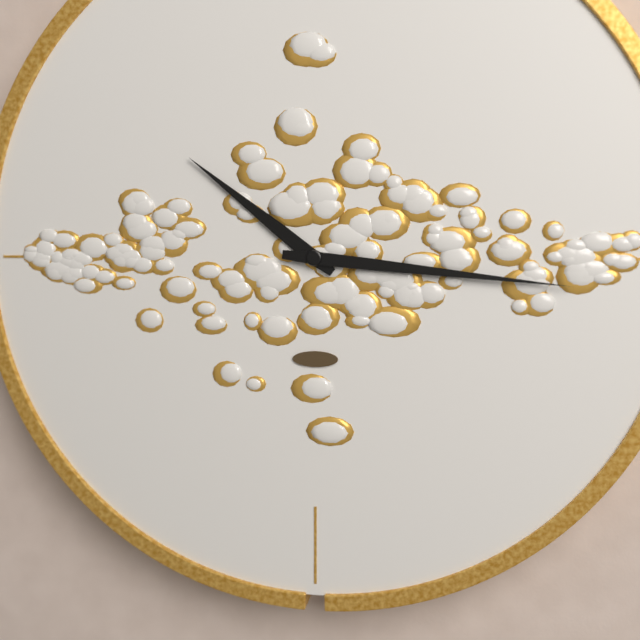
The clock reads 10.16
